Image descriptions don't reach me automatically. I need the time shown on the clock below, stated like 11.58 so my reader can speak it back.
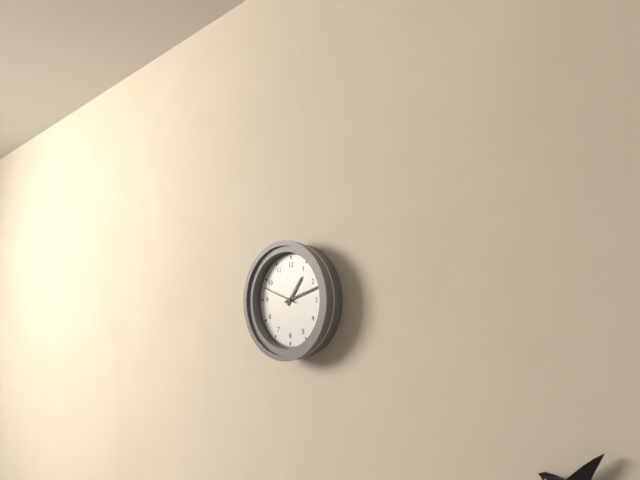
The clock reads 1.12
